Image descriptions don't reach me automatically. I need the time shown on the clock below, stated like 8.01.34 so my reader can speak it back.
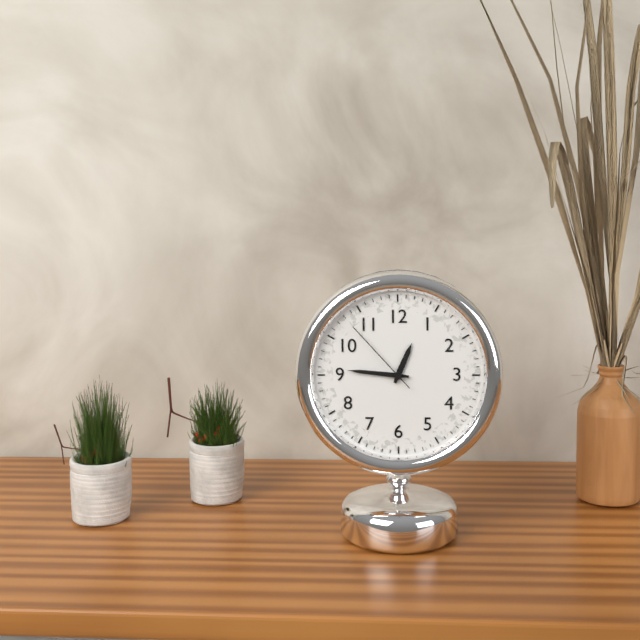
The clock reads 12.46.53
